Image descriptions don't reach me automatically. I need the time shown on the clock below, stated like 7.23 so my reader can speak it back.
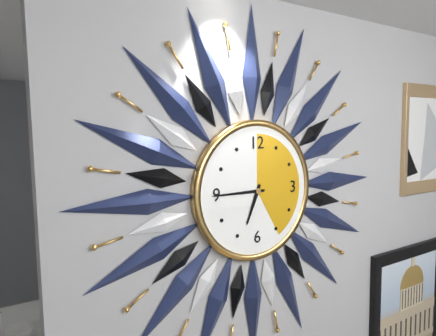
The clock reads 6.45
